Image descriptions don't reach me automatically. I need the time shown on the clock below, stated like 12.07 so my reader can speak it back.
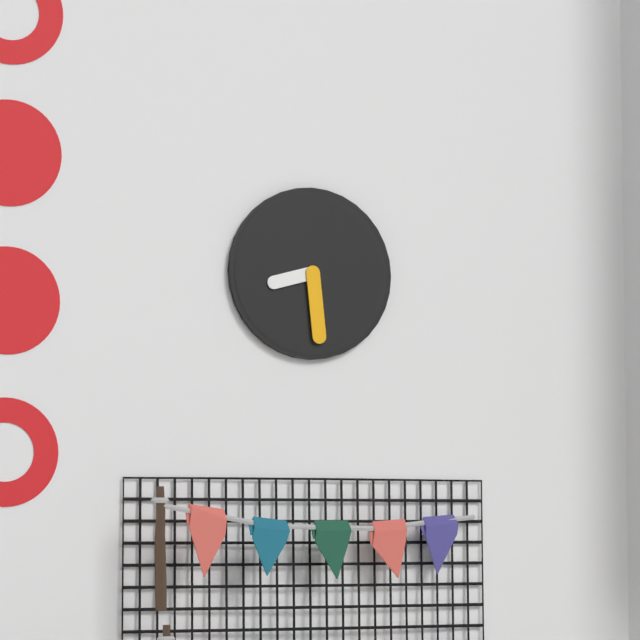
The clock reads 8.29
